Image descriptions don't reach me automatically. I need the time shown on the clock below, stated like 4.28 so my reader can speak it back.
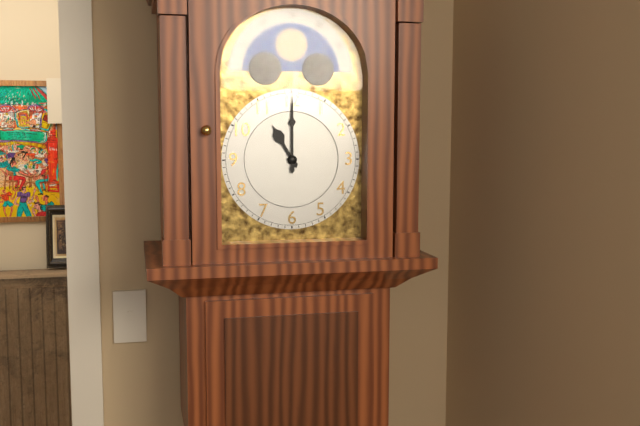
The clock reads 11.00
